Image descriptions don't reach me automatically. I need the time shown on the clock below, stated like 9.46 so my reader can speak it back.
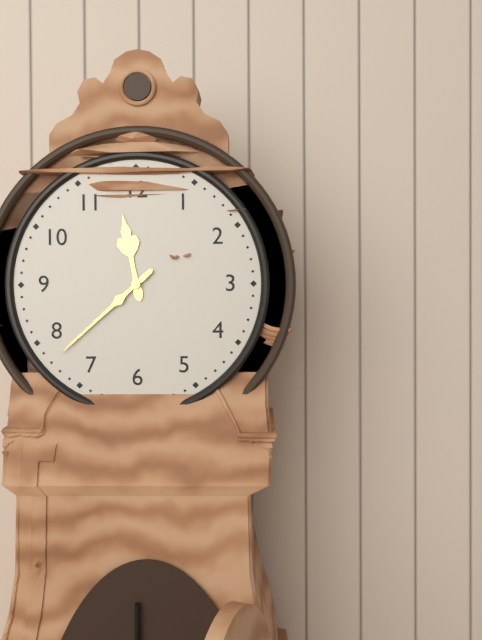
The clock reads 11.38
